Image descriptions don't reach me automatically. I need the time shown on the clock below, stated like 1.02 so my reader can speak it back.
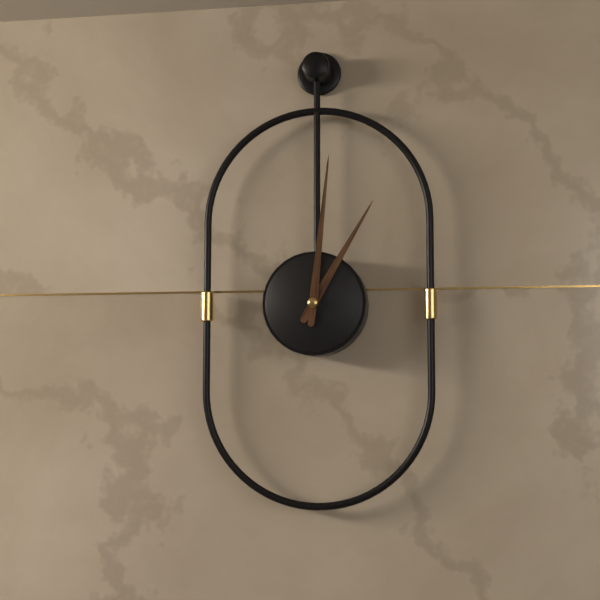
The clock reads 1.01
